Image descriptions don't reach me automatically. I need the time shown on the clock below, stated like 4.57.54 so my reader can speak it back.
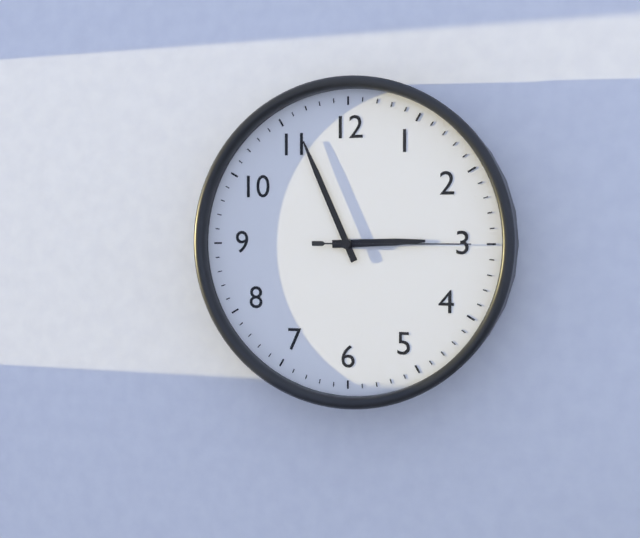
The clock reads 2.56.15
